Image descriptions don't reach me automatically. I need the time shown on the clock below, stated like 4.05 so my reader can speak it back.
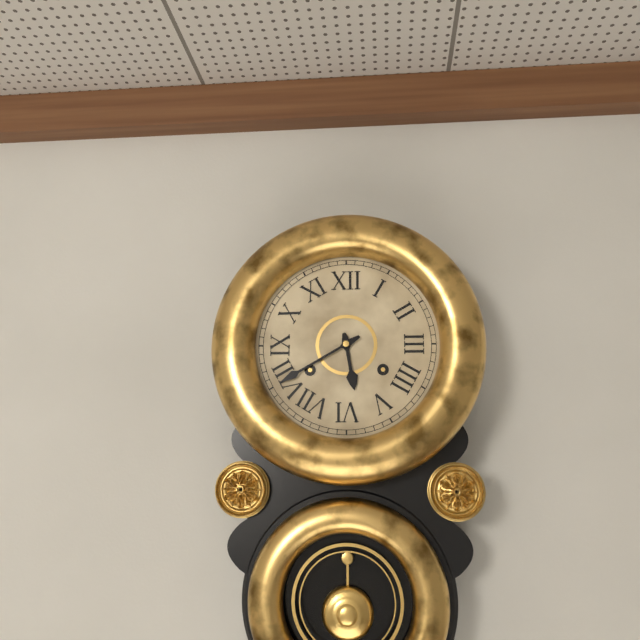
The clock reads 5.40
